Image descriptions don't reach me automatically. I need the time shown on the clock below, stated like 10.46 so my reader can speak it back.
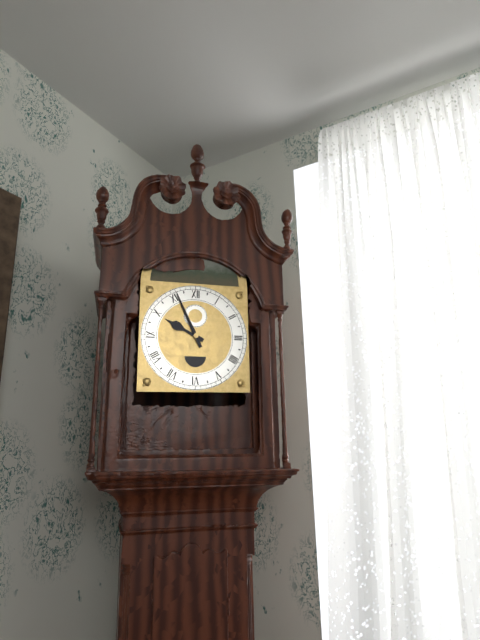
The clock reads 9.56
